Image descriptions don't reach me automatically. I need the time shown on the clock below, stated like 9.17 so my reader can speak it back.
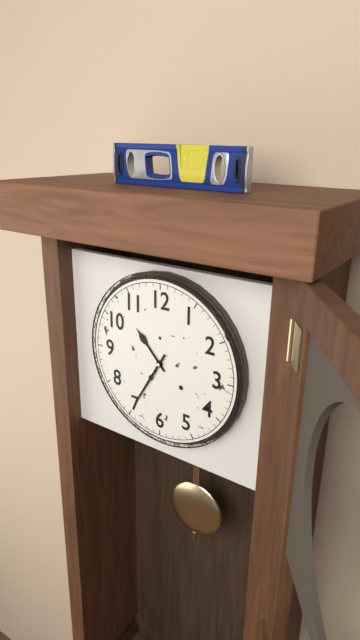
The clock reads 10.35
